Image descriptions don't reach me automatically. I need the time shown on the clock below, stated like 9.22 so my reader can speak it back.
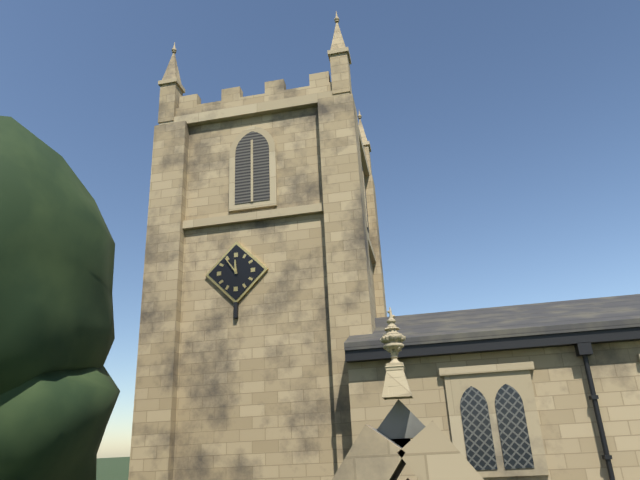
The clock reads 11.54
